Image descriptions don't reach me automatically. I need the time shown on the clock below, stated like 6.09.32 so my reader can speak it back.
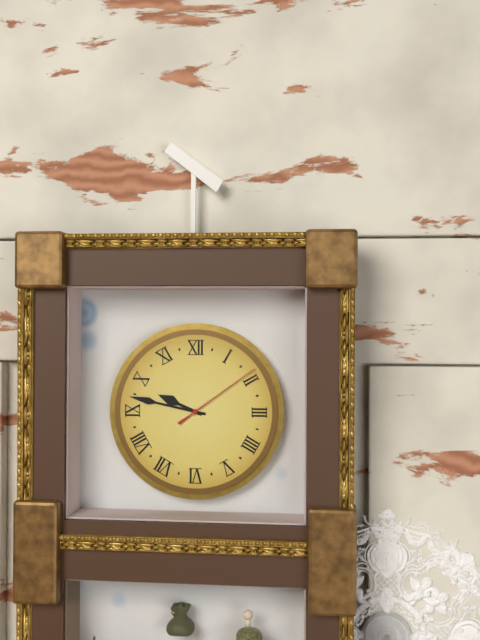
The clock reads 9.47.09
